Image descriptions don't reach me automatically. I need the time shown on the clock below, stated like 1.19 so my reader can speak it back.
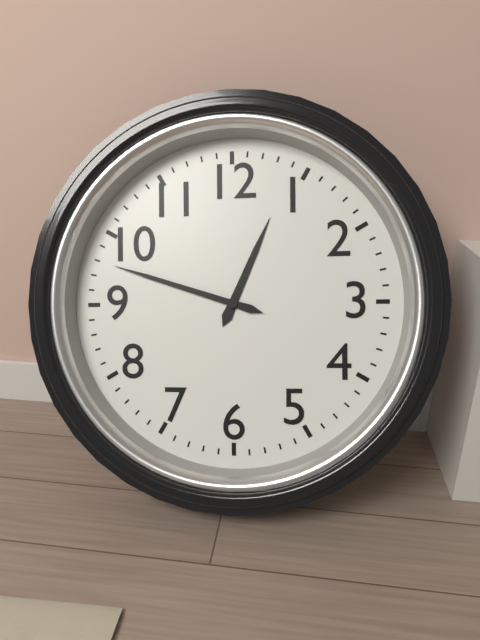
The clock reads 12.48
